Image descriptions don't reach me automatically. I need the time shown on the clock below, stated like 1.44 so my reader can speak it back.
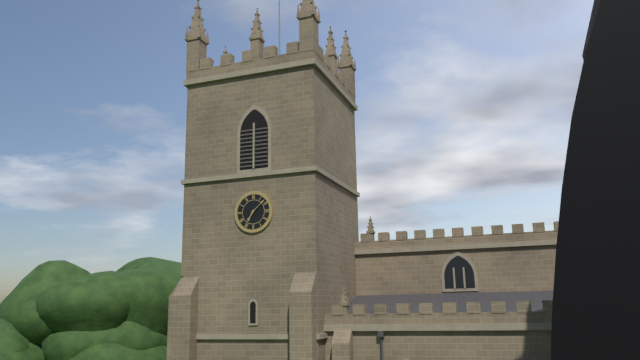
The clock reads 7.08
